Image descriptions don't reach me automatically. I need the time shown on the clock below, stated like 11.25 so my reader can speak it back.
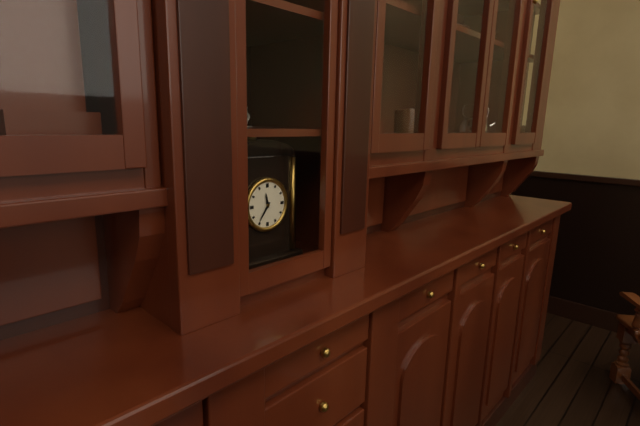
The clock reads 11.36
